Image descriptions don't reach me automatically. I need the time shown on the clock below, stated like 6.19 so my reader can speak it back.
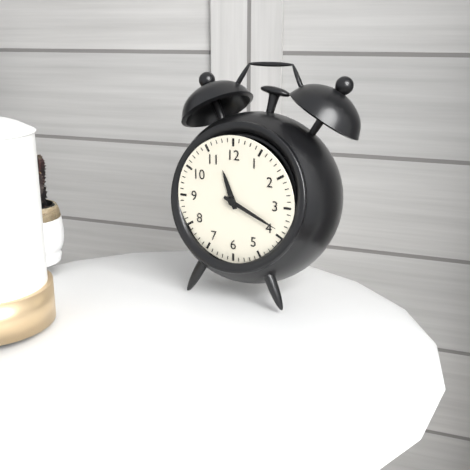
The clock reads 11.19
